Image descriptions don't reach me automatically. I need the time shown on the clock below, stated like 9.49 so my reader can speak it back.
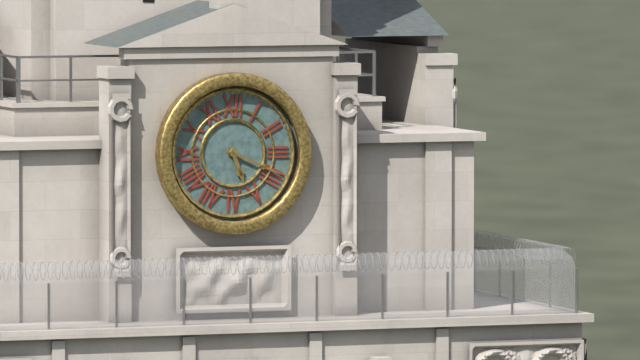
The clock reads 5.19
